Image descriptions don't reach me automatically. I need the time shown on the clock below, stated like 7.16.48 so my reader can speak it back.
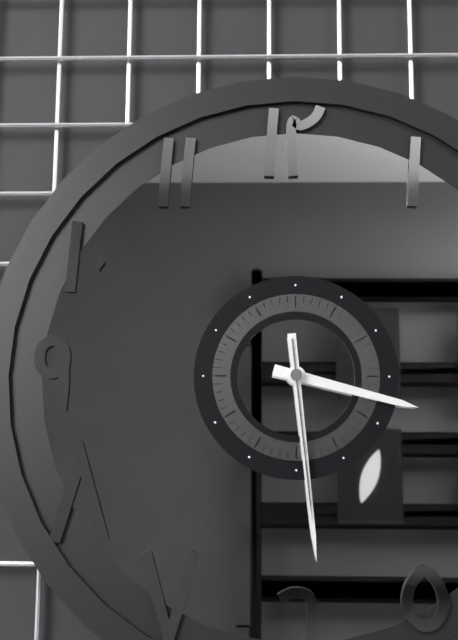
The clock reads 3.29.29
